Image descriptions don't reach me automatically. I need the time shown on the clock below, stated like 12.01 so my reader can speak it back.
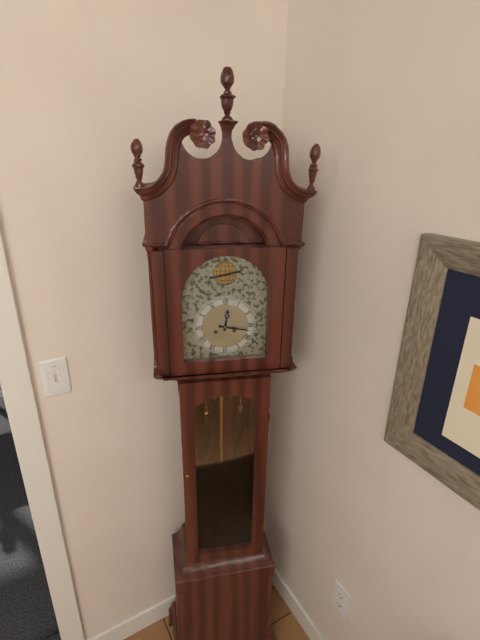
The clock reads 12.17
